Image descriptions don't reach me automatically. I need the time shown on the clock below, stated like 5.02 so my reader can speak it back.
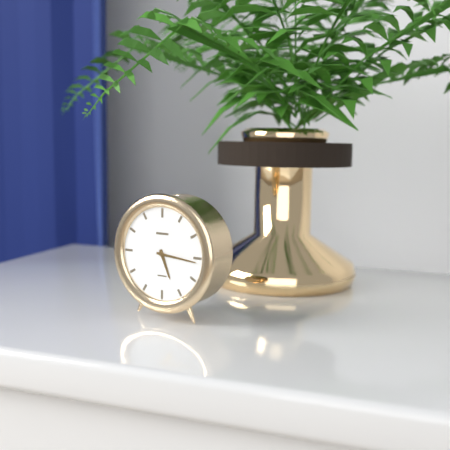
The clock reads 5.16
